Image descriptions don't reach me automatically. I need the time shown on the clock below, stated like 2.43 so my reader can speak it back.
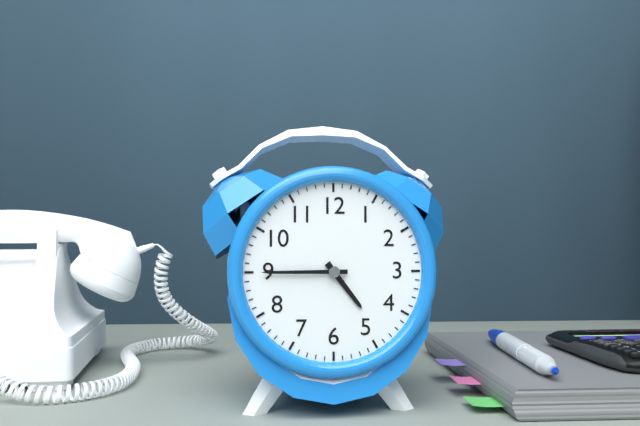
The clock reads 4.45
